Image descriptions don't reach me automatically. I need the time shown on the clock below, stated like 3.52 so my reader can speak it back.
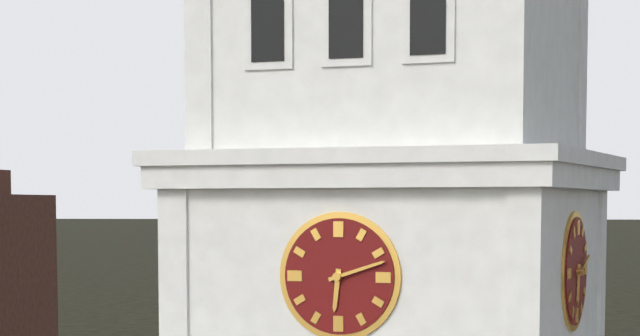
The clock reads 6.12
